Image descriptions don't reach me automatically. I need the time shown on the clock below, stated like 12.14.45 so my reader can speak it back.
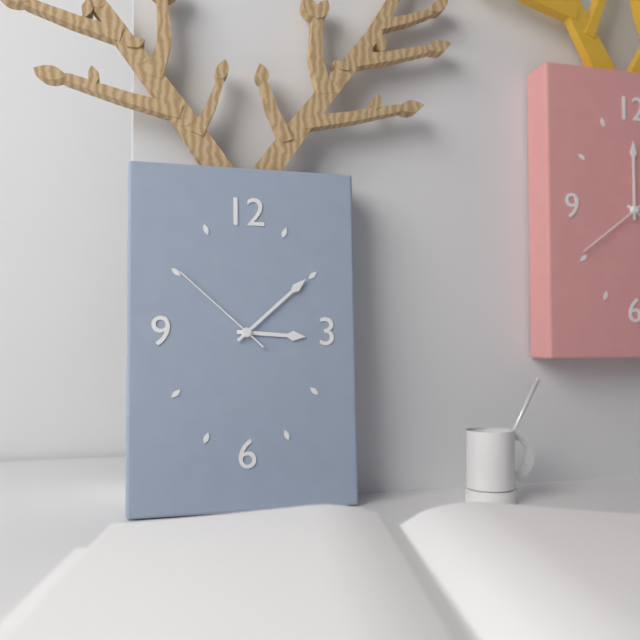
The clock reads 3.08.52
